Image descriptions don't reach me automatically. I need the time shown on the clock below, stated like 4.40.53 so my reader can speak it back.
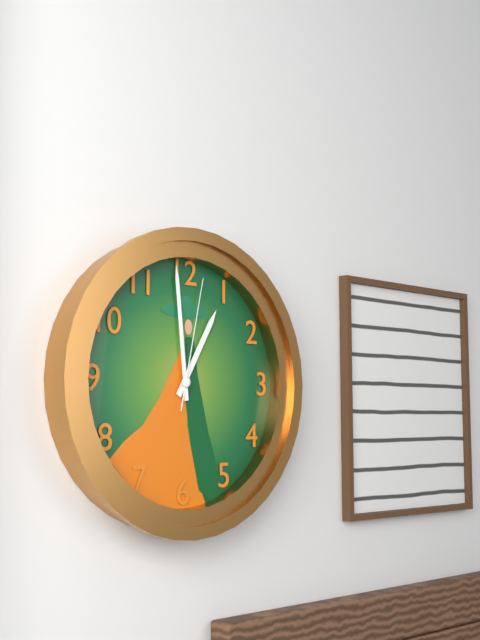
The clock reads 12.59.02
